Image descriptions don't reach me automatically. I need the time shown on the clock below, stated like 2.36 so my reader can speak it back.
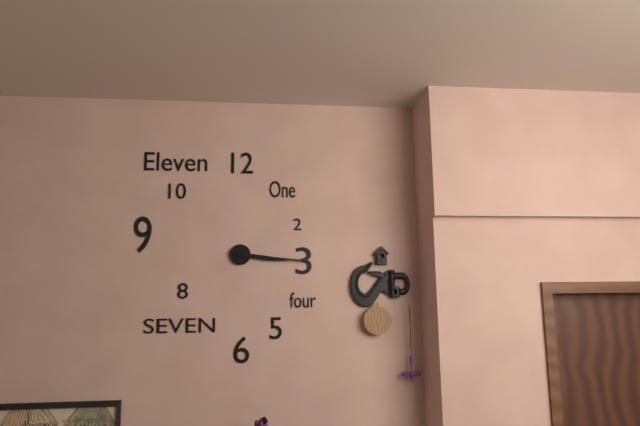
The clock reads 3.16
